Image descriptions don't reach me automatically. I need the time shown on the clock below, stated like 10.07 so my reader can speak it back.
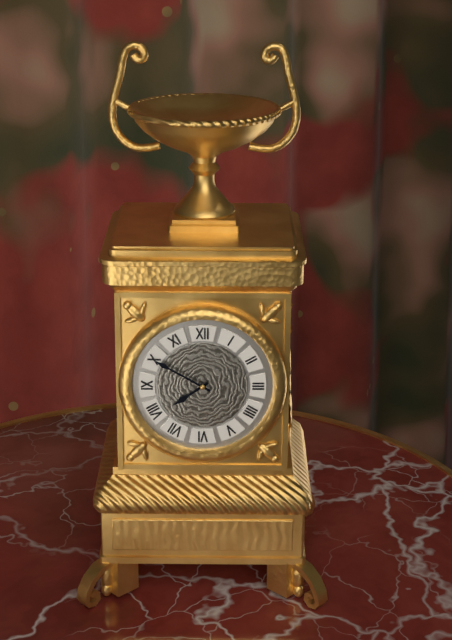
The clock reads 7.50
